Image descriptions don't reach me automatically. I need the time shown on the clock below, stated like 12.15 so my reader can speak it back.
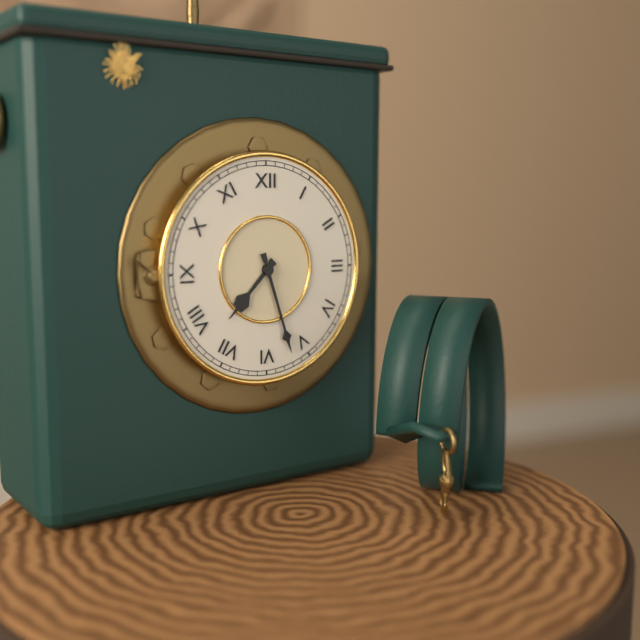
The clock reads 7.27
